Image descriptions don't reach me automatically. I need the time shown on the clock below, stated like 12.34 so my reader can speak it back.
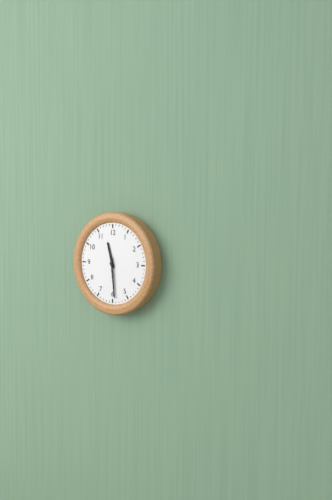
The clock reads 11.29
